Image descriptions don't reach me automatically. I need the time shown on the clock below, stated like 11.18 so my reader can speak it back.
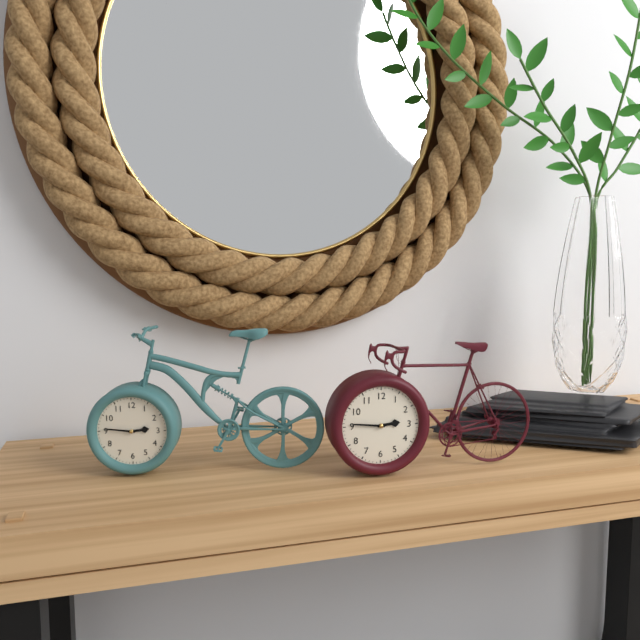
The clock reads 2.46
